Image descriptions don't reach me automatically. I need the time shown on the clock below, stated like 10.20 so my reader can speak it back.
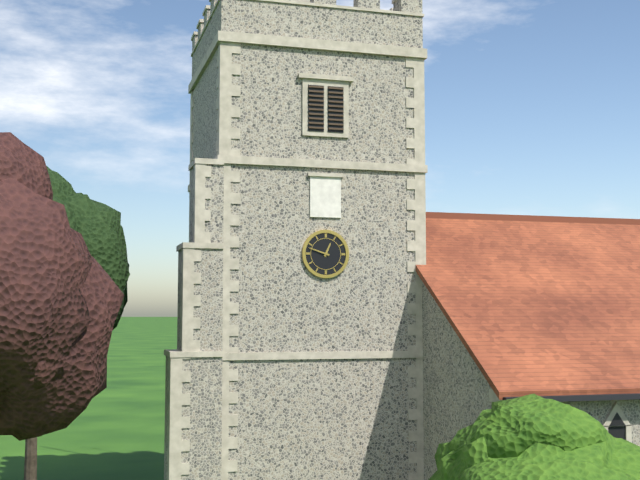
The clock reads 12.48
